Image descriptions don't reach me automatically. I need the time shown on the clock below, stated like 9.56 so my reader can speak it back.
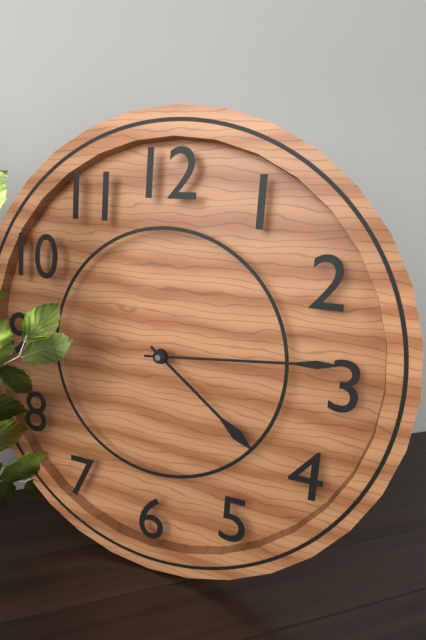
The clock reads 4.14
